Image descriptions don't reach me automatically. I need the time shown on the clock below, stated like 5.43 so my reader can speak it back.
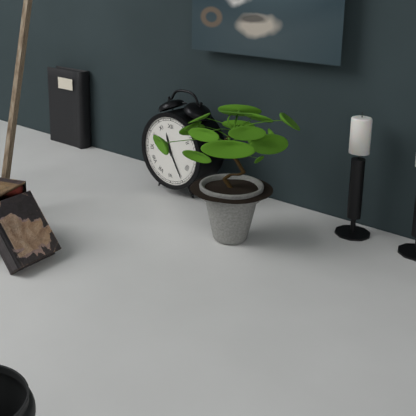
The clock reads 11.25
